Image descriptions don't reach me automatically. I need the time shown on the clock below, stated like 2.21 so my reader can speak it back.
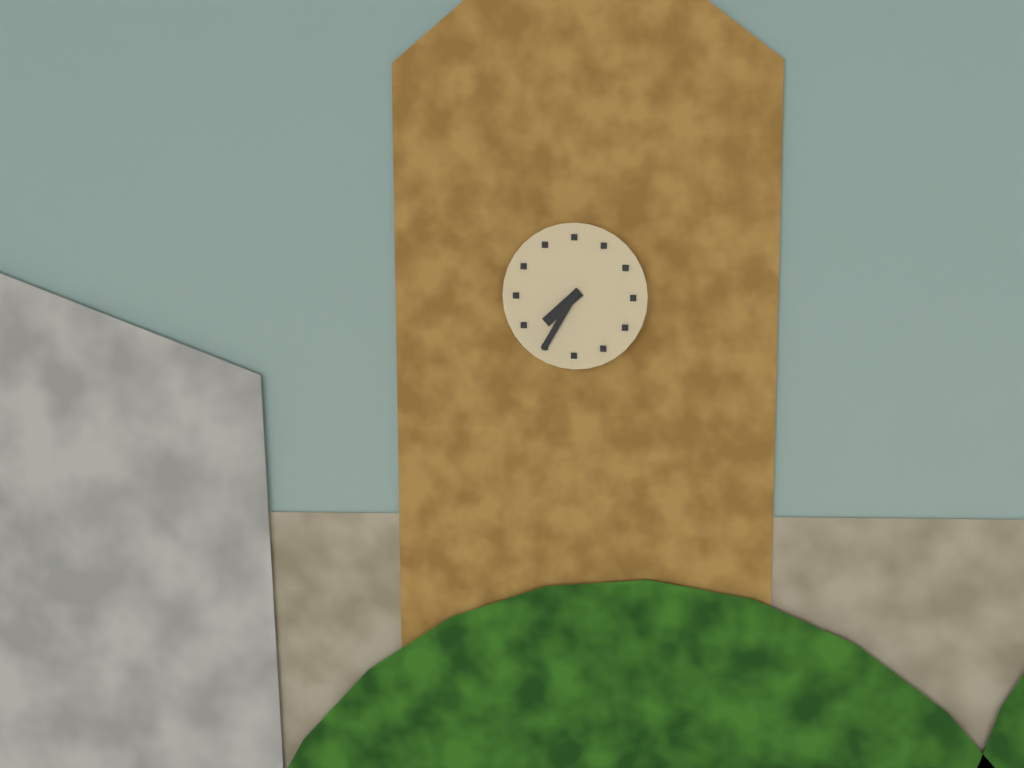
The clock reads 7.35
